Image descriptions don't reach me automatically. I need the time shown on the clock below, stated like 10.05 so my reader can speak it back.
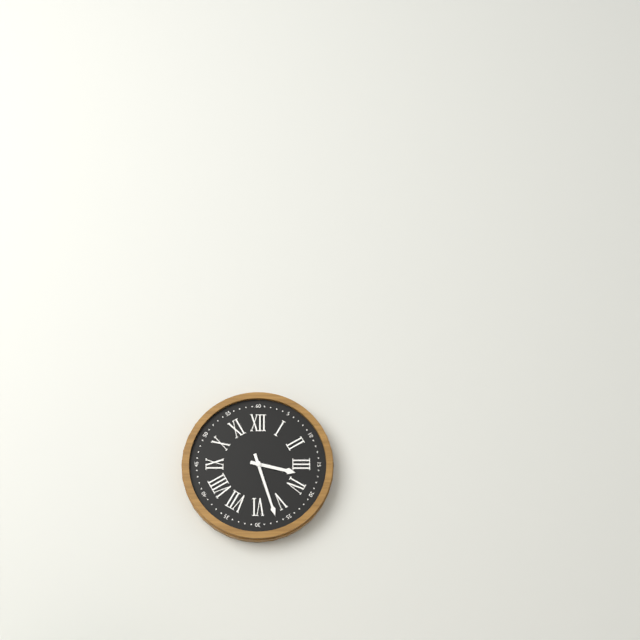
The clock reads 3.27
